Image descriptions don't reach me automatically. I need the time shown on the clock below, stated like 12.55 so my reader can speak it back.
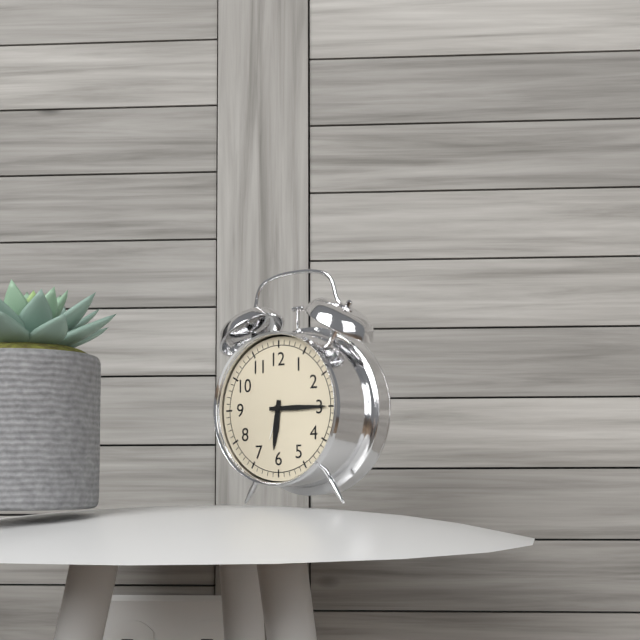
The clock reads 6.15
